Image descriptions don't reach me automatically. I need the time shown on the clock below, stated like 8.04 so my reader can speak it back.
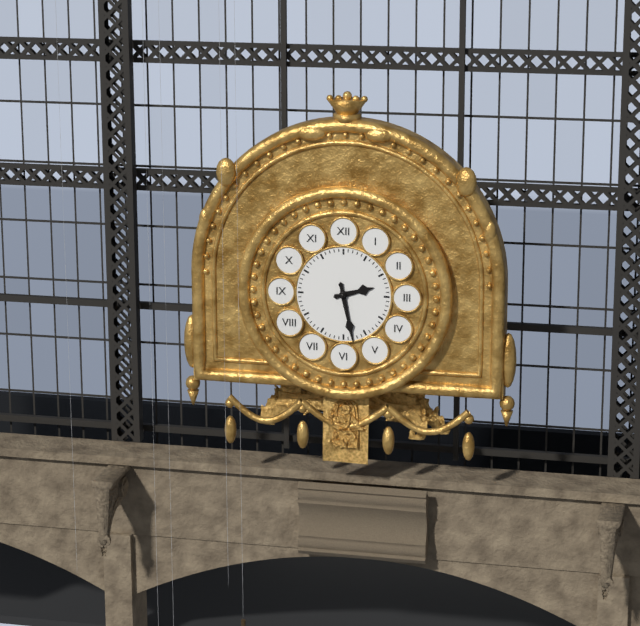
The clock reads 2.28
